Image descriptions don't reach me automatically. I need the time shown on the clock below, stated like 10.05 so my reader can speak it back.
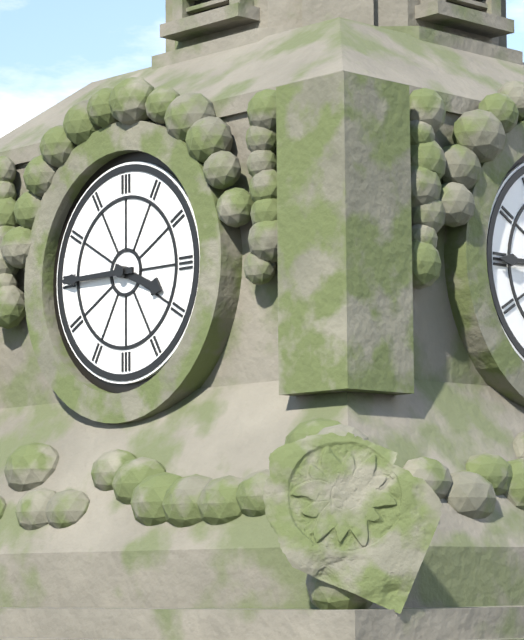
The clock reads 3.45
